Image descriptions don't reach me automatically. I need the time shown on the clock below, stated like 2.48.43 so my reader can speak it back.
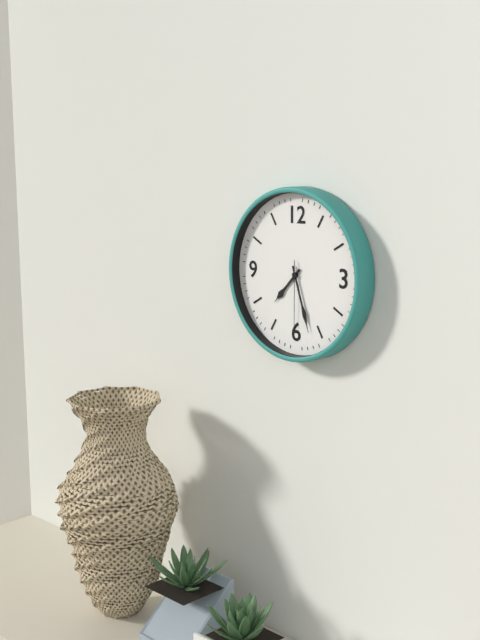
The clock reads 7.27.30
